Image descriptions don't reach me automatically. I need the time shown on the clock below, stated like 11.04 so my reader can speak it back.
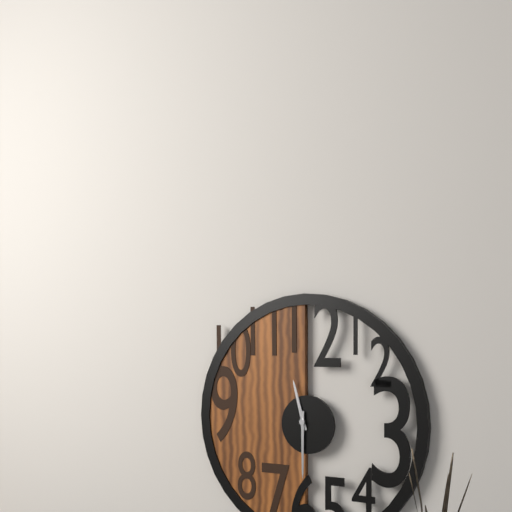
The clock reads 11.30
